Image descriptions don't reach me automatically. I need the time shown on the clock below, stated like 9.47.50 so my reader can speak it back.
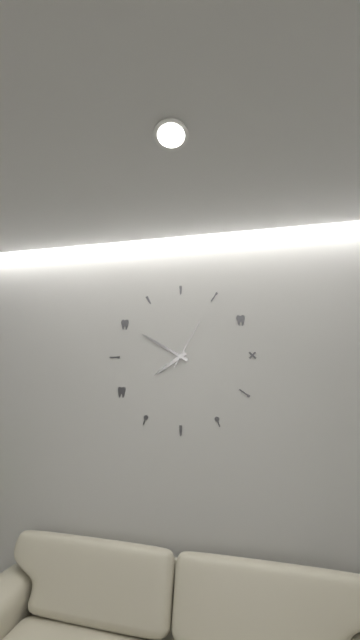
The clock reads 7.50.05
